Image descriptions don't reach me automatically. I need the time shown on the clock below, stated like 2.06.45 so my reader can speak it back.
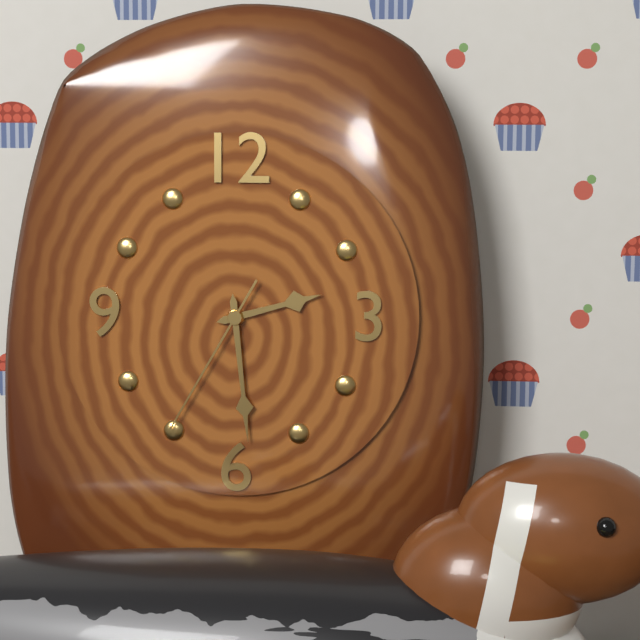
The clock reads 2.29.35
